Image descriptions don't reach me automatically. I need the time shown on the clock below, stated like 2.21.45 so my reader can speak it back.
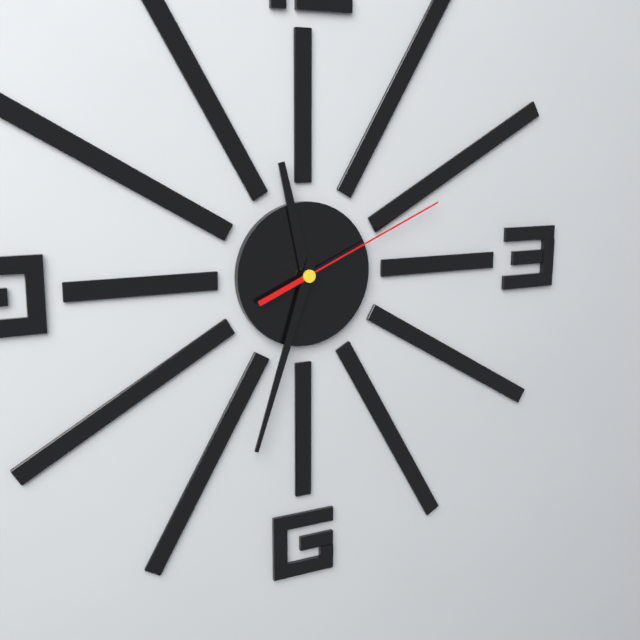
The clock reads 11.33.11
